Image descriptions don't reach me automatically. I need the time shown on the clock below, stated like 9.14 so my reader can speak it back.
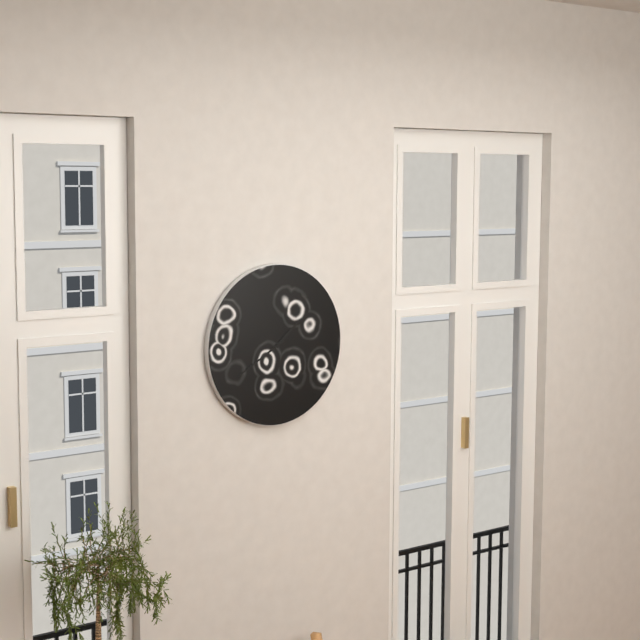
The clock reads 1.40
